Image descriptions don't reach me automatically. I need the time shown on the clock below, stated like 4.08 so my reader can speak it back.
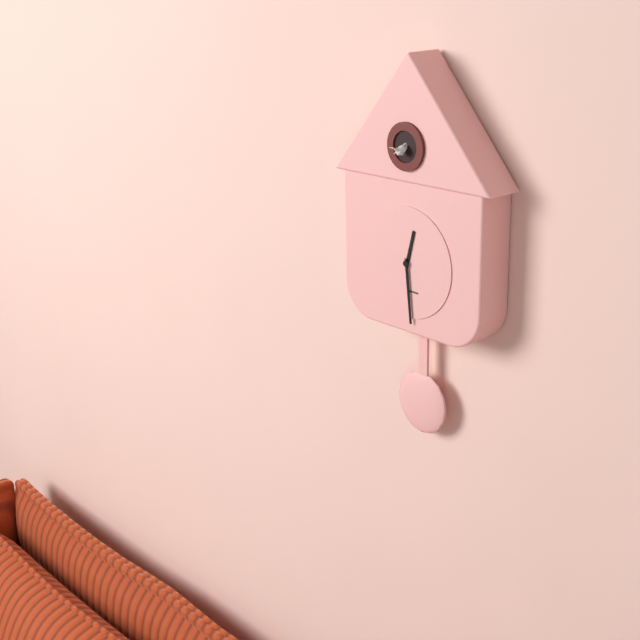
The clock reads 12.29
